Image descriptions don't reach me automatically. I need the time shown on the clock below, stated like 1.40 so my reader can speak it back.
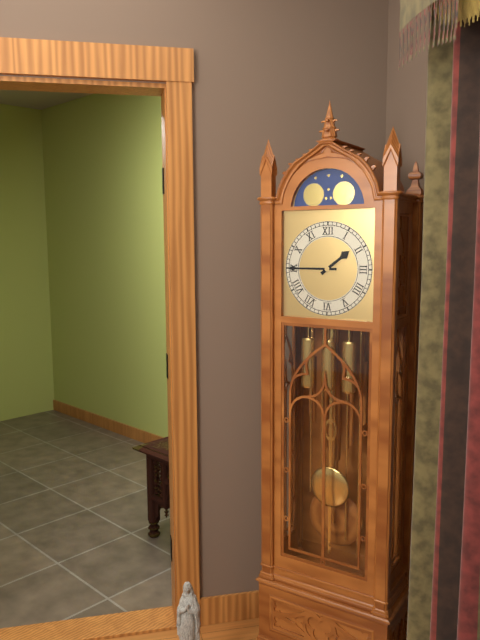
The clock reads 1.45
